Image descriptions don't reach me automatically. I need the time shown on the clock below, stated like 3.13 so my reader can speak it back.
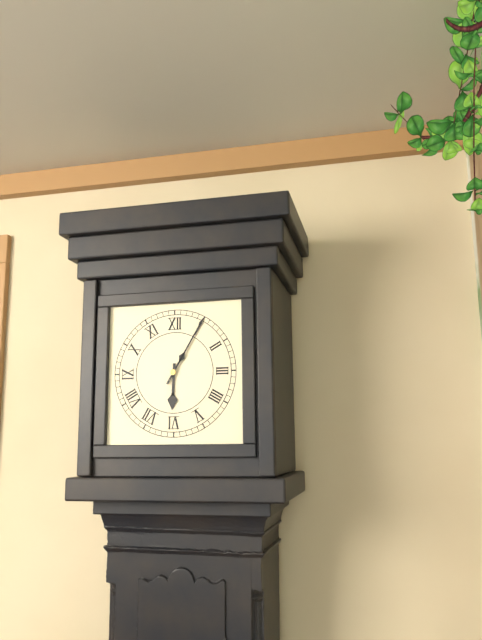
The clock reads 6.05
